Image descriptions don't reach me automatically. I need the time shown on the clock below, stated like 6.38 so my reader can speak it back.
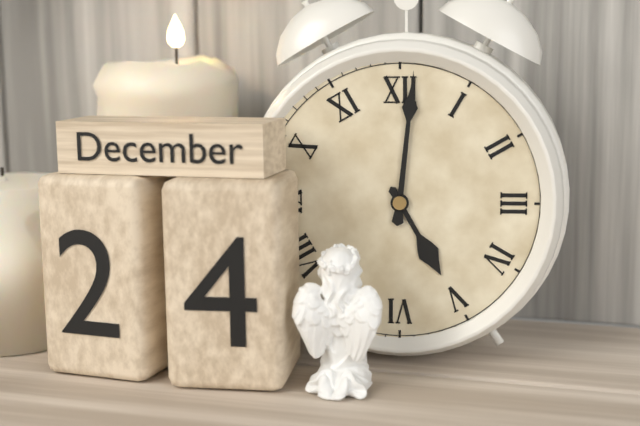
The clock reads 5.01
